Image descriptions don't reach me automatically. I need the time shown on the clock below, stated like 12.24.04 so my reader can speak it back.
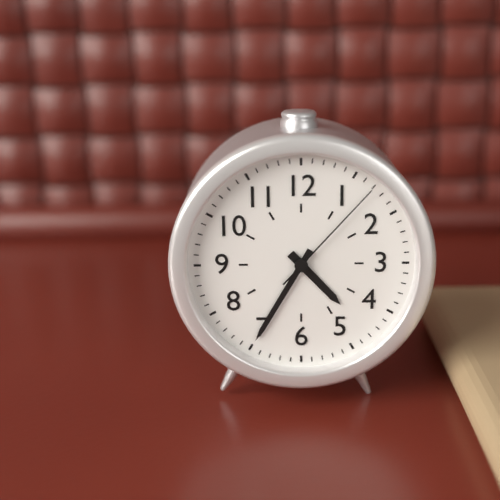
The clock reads 4.35.07
